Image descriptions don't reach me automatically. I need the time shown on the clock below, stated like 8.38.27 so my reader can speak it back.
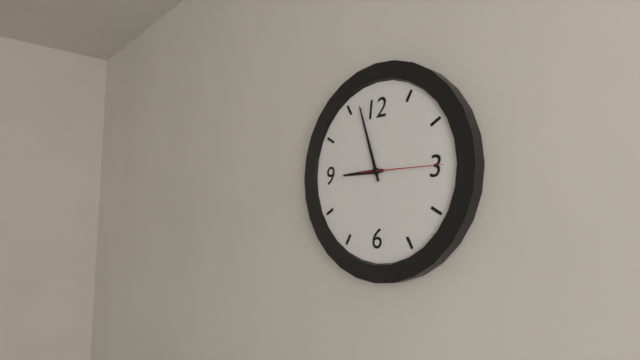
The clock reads 8.57.15
